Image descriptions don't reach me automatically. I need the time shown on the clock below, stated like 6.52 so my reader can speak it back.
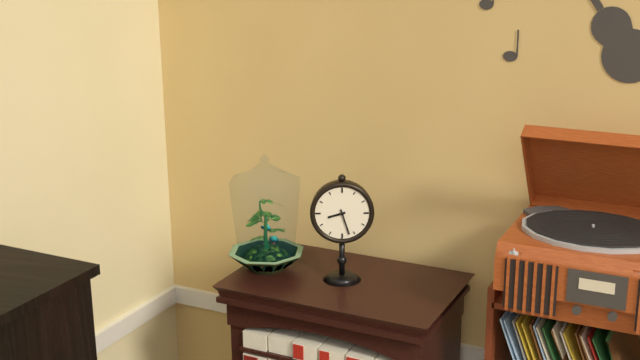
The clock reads 8.27
